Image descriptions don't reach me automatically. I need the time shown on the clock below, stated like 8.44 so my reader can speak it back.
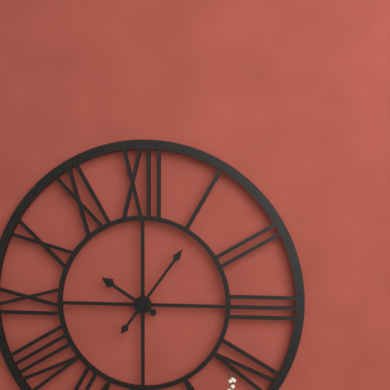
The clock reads 10.06
